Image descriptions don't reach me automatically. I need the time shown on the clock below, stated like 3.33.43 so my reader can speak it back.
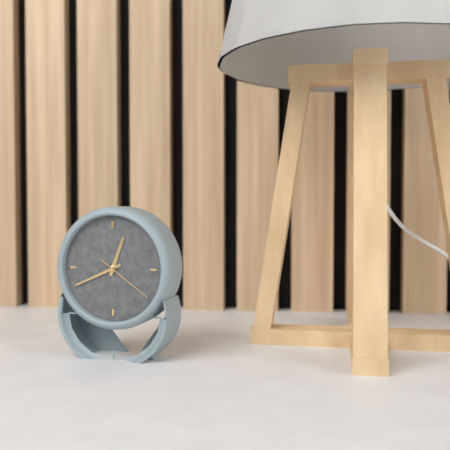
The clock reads 12.41.21
